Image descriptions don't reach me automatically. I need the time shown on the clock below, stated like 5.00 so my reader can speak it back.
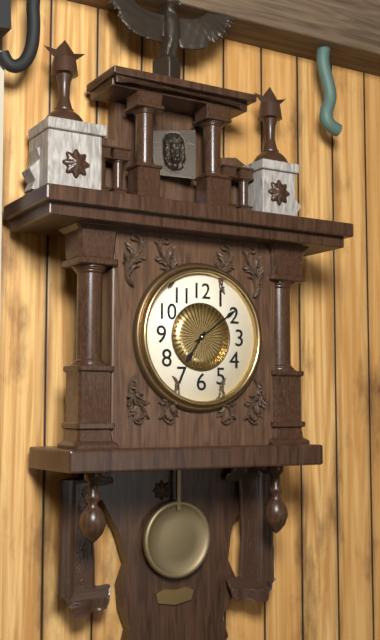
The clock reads 7.09
